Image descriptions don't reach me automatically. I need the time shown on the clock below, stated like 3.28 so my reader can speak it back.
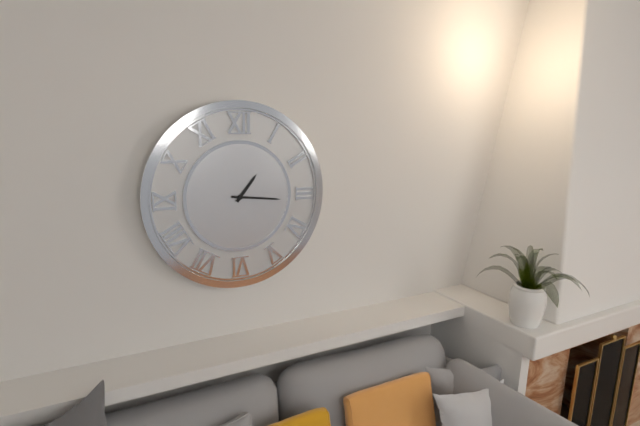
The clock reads 1.16
